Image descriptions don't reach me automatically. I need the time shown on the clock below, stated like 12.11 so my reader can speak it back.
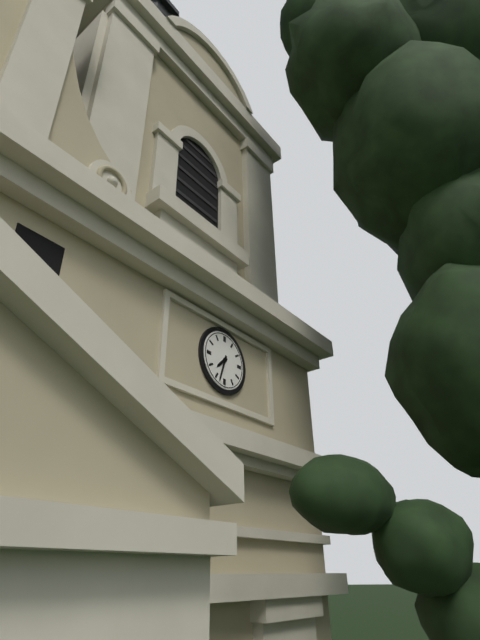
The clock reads 7.33
